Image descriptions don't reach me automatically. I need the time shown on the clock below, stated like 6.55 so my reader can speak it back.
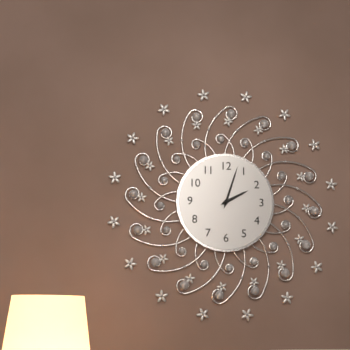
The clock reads 2.03
